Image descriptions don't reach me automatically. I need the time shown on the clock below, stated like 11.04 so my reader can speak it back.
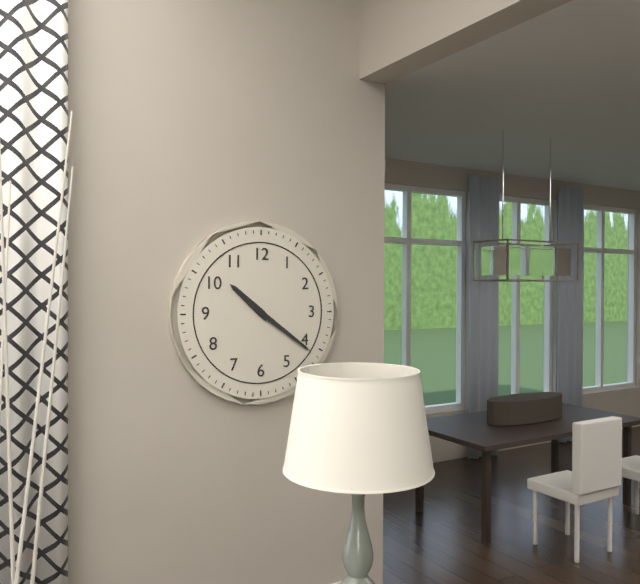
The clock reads 10.21
